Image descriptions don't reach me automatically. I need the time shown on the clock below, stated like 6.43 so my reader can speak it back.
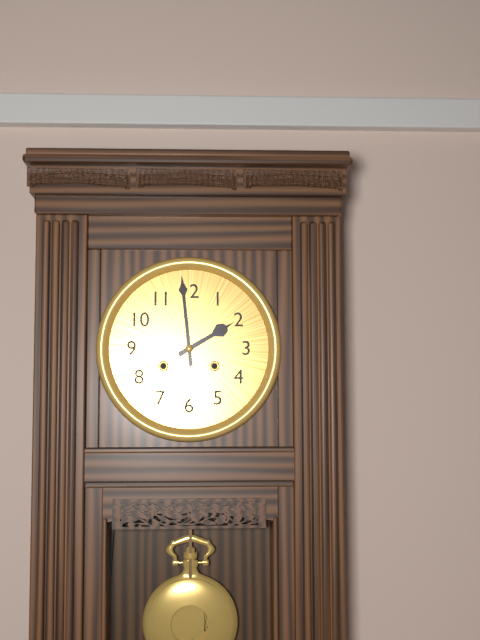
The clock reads 1.59
